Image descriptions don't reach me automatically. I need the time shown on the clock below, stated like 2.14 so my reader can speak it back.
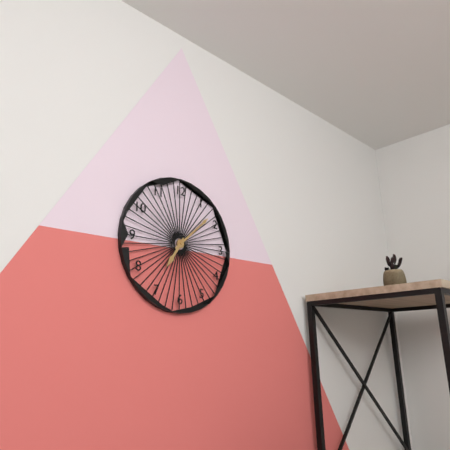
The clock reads 7.08
